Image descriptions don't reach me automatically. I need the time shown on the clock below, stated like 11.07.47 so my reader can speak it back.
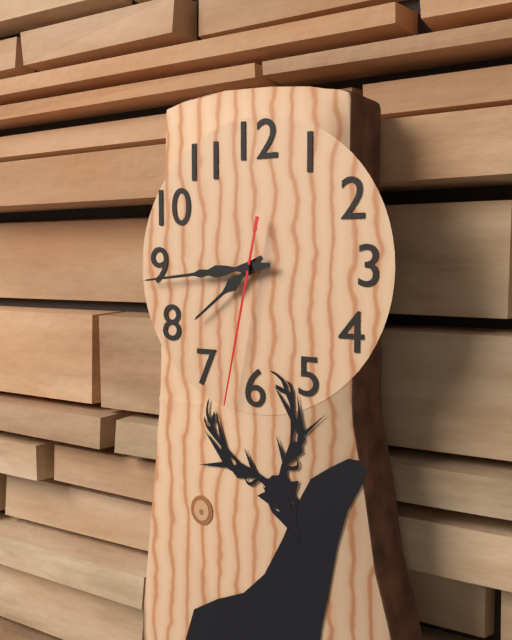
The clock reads 7.44.32
